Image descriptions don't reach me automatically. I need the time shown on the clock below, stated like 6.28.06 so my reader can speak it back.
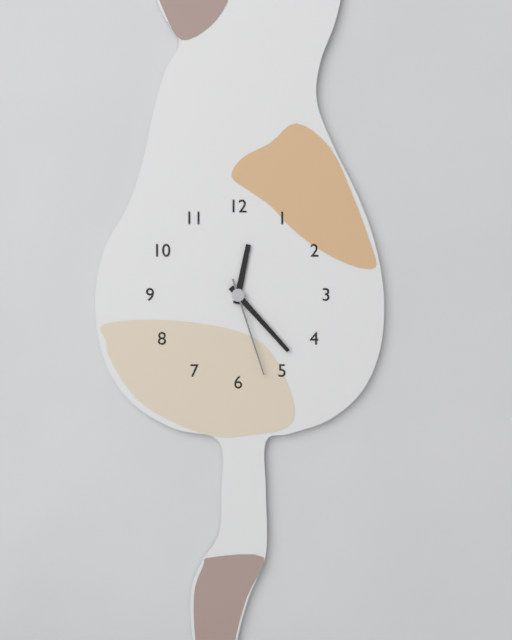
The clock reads 12.23.27
